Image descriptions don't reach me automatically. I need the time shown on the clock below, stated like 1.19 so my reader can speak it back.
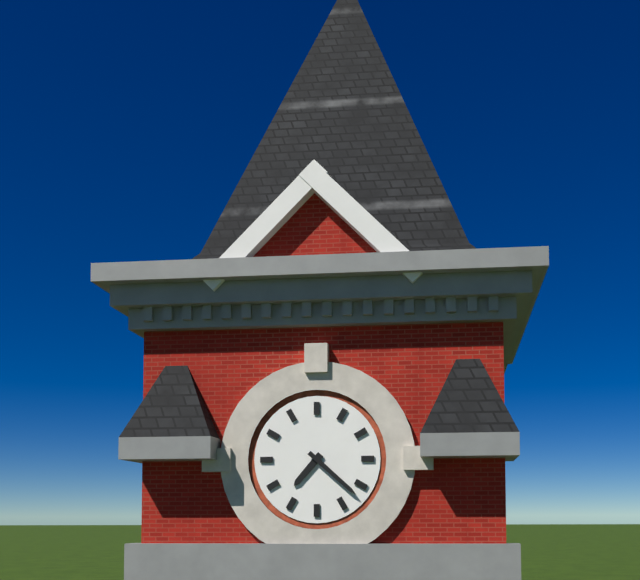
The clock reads 7.22
